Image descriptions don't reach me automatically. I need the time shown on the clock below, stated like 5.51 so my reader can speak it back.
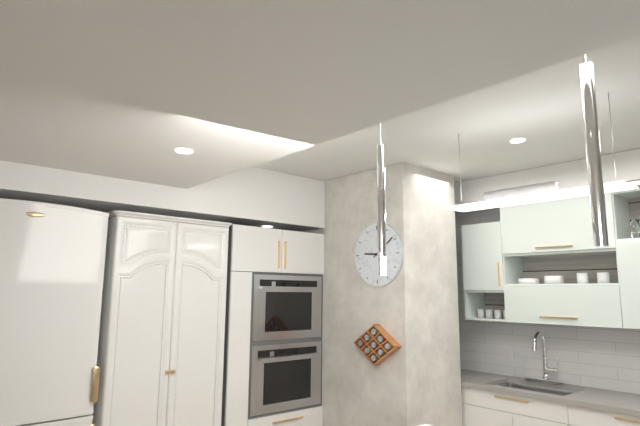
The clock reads 9.09
